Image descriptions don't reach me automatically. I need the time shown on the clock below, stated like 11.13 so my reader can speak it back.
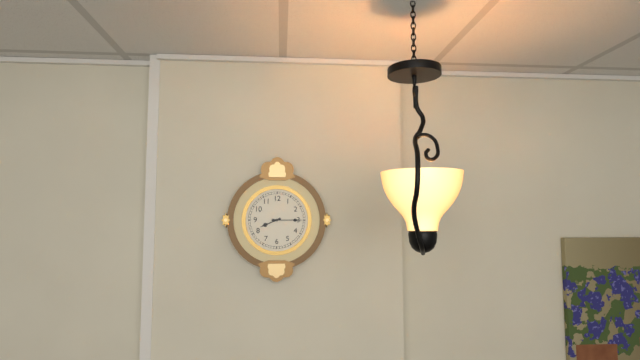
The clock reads 8.15
